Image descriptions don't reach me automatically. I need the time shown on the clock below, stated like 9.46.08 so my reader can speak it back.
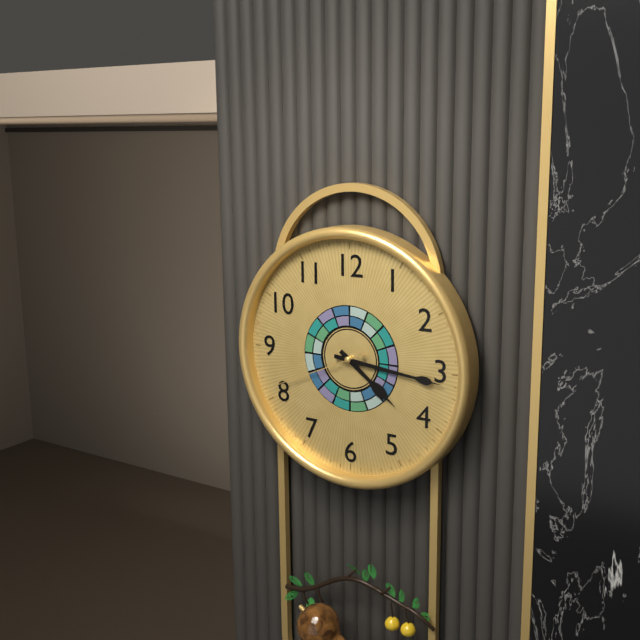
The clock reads 4.16.41
